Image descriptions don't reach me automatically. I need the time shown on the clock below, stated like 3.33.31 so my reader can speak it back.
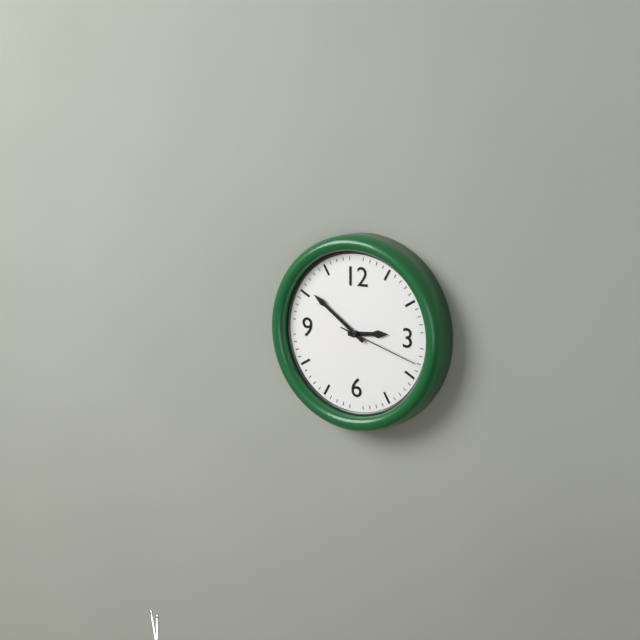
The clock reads 2.51.18
